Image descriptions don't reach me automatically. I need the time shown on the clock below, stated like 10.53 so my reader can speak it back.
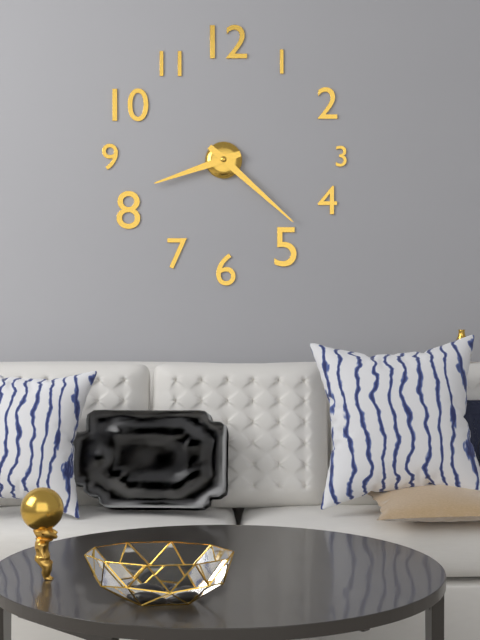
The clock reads 8.22
